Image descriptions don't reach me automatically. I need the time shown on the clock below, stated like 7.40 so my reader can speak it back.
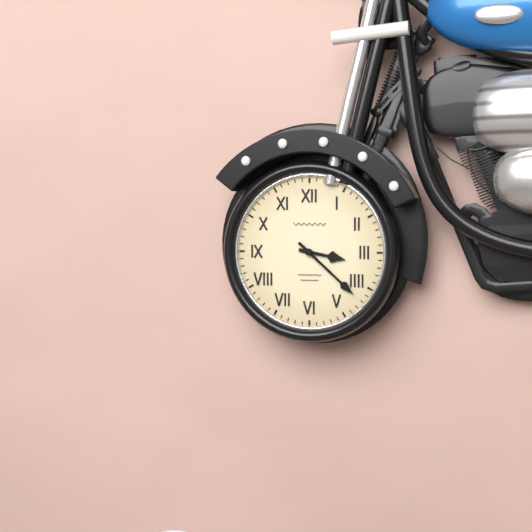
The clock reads 3.22
